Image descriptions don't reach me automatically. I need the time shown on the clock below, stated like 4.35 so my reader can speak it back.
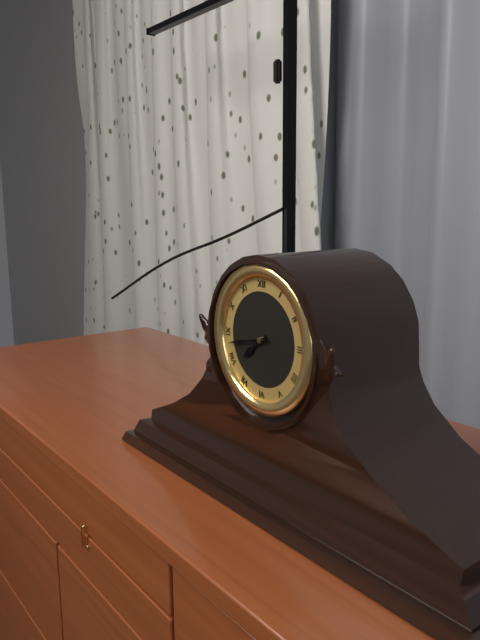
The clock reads 7.43
